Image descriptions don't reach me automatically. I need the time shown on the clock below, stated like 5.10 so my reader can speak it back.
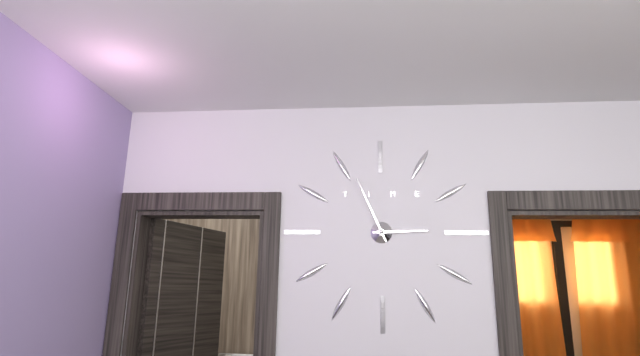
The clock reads 2.56
